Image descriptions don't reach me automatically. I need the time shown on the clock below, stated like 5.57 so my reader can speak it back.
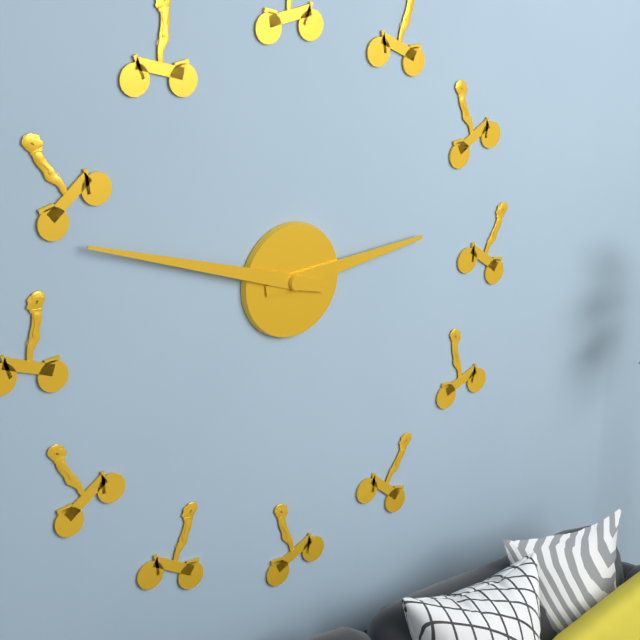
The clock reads 2.48
